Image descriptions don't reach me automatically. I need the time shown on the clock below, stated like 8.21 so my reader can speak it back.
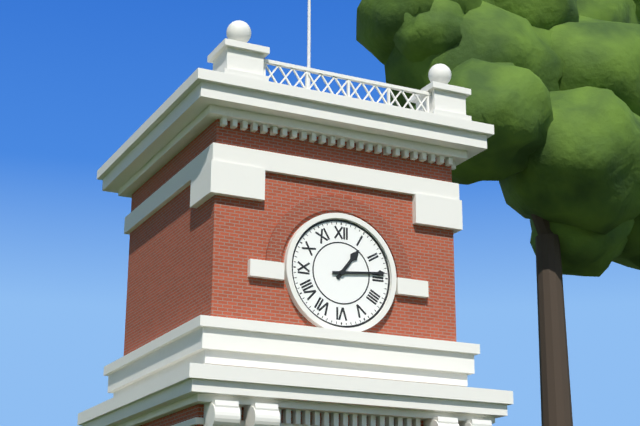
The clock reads 1.14
